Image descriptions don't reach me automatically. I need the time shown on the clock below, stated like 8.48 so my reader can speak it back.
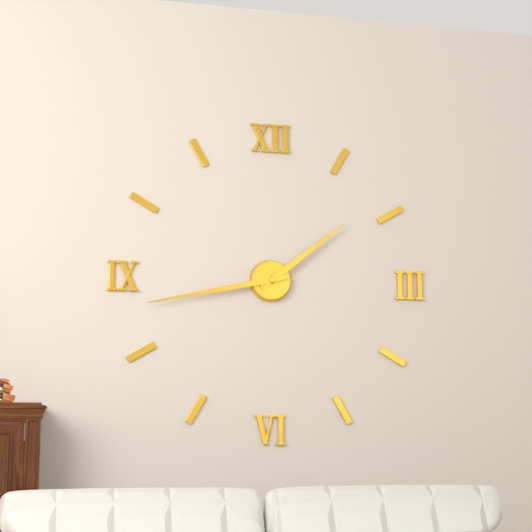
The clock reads 1.43
